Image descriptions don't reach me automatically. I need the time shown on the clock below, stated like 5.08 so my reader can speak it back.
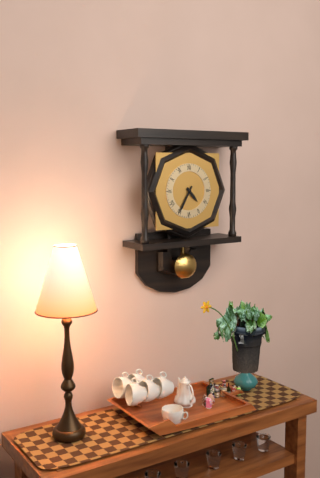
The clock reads 4.35
